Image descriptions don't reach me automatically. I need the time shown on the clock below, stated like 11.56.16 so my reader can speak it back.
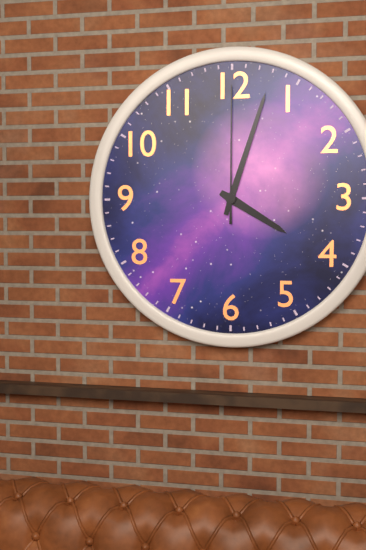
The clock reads 4.03.00
